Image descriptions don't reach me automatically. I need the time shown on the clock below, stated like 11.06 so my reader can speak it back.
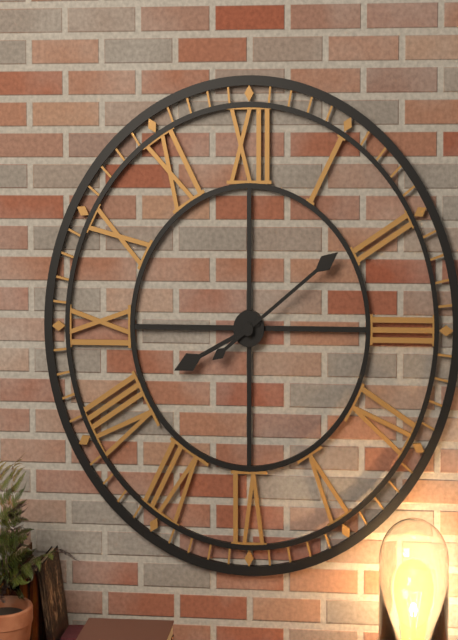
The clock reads 8.09
